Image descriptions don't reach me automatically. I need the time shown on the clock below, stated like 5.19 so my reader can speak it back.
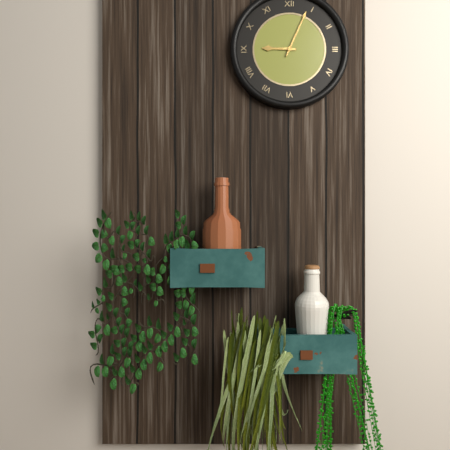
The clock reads 9.04
